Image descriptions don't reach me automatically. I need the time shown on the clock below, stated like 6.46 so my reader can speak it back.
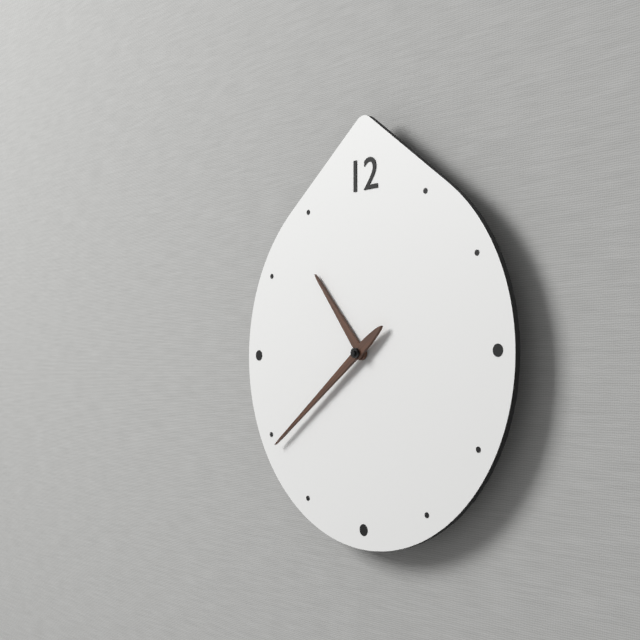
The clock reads 10.39
